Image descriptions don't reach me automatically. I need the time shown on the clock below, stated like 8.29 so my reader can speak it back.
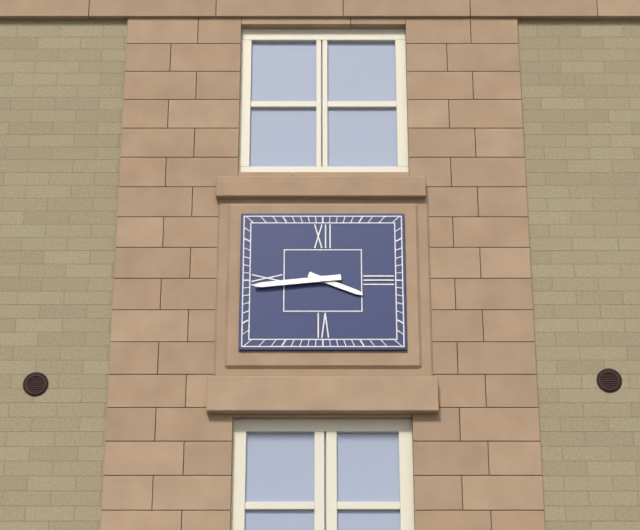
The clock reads 3.44
